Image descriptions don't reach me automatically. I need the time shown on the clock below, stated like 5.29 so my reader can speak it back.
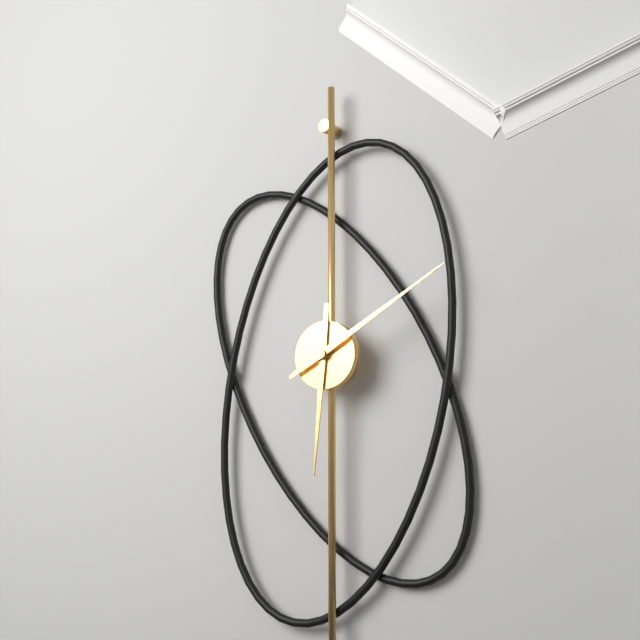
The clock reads 6.10
